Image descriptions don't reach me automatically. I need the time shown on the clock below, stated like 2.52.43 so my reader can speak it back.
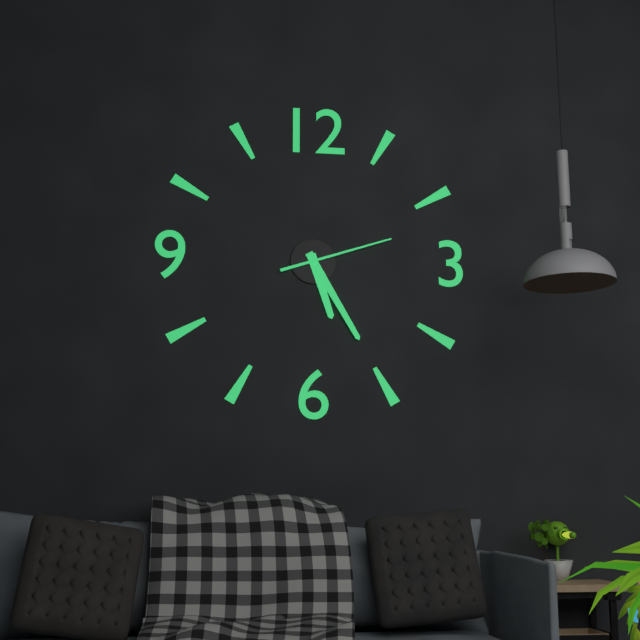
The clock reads 5.25.12
